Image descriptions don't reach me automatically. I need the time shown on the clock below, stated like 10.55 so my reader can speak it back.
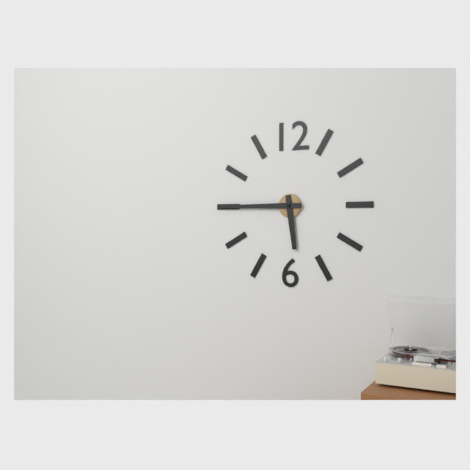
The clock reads 5.45
